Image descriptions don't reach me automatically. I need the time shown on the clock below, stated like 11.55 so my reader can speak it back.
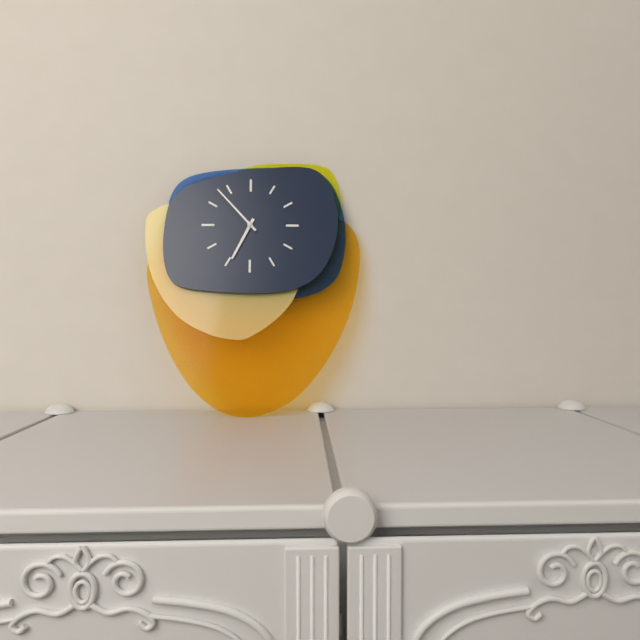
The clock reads 6.53
